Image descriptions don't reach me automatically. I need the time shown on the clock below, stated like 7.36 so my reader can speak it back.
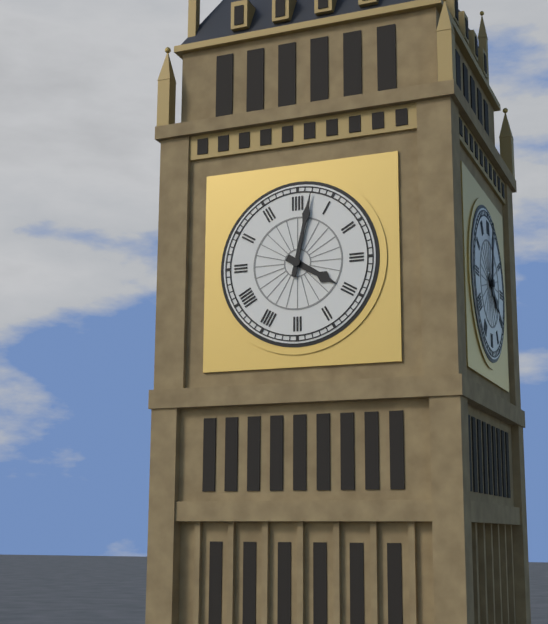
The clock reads 4.02
